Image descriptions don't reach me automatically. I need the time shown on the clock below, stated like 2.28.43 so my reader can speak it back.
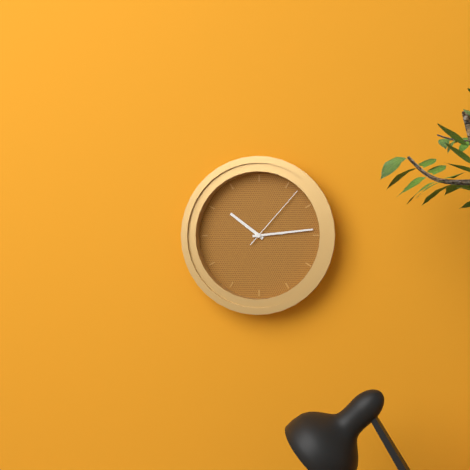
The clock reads 10.14.07
